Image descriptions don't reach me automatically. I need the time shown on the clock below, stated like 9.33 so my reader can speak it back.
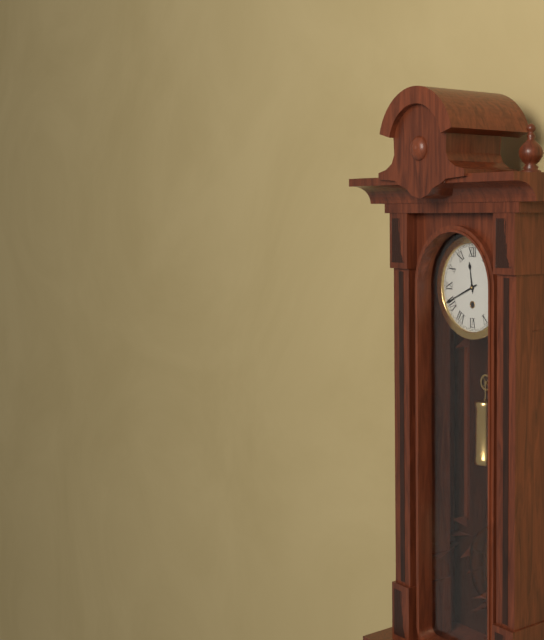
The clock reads 11.41
